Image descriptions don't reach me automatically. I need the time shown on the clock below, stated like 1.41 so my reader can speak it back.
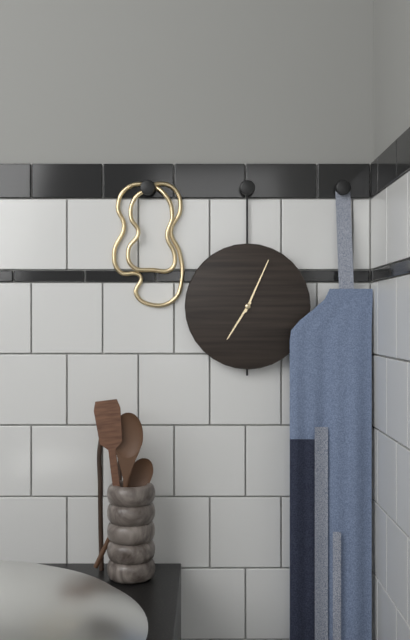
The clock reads 7.04
